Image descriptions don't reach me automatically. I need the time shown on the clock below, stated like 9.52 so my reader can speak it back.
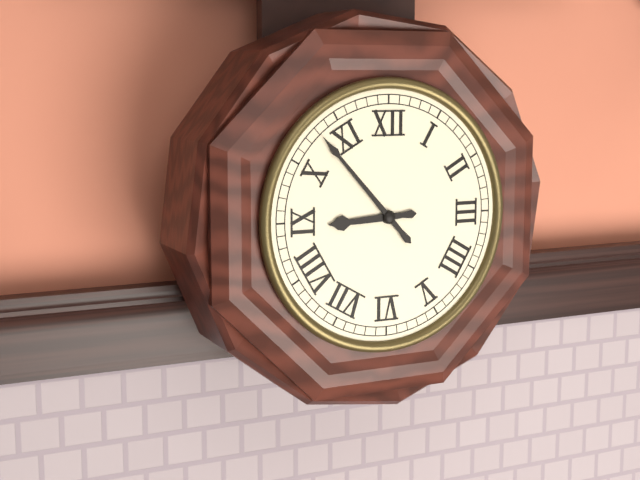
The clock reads 8.53
